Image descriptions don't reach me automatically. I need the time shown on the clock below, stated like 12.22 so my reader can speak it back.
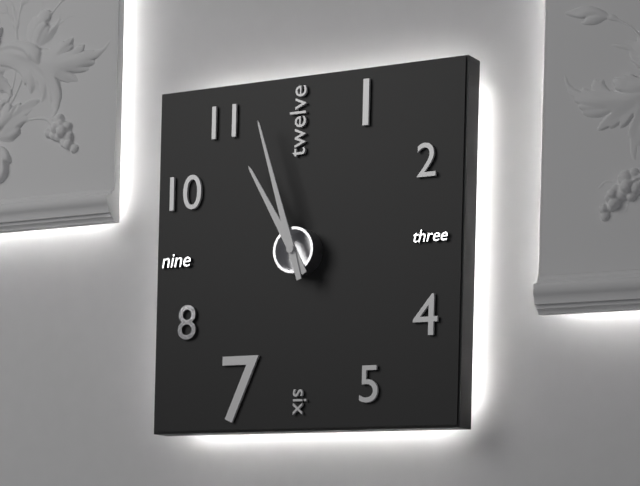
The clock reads 10.57
